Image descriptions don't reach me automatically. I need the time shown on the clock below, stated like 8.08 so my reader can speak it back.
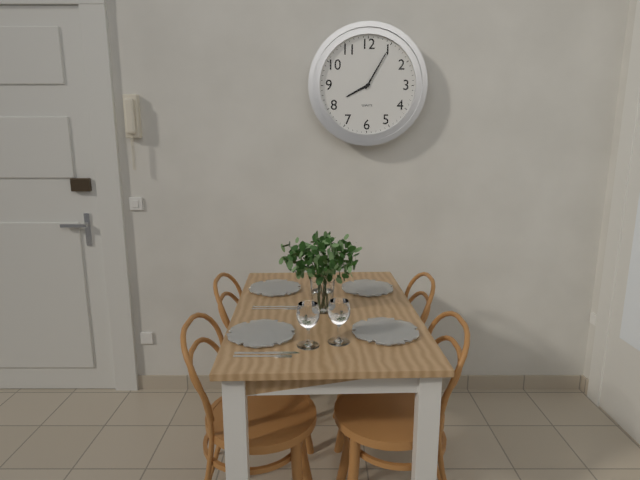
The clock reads 8.05
